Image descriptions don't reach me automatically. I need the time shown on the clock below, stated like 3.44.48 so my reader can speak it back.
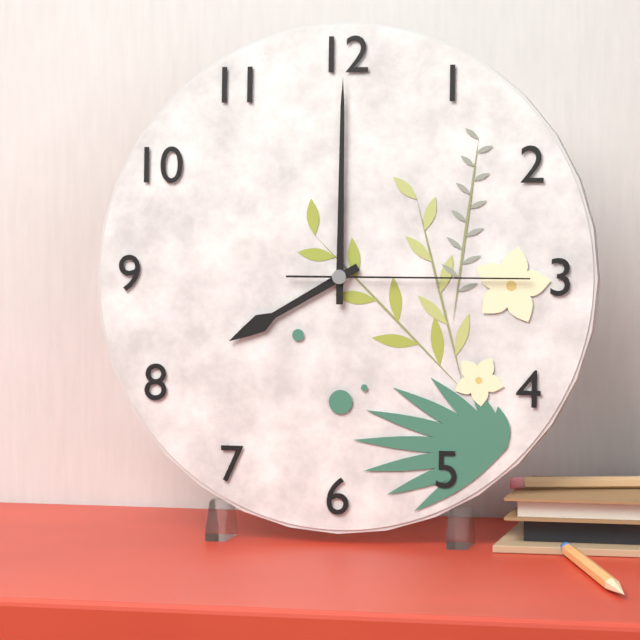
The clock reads 8.00.15
